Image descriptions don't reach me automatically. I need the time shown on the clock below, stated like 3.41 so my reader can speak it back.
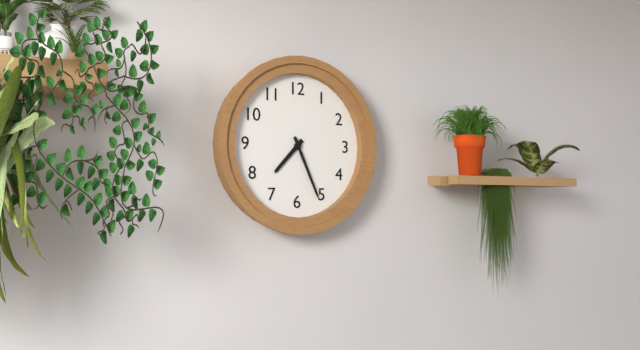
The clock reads 7.26
